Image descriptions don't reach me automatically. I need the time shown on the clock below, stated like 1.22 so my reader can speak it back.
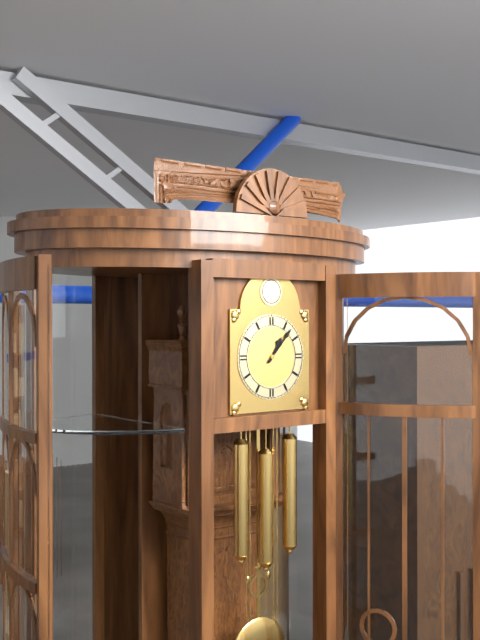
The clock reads 1.07
